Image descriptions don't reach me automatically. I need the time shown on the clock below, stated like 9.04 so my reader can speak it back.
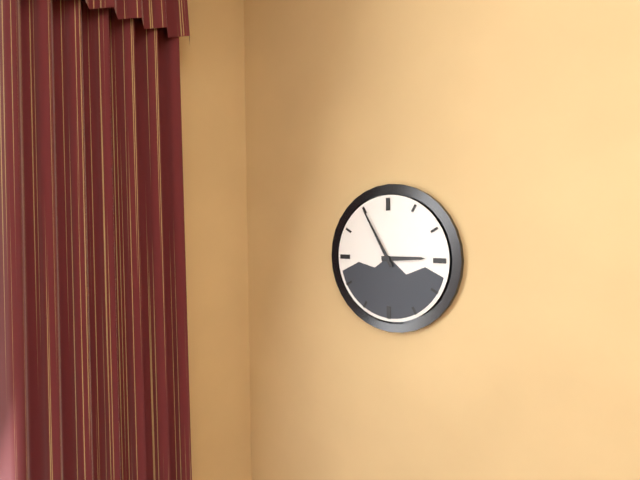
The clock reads 2.55
